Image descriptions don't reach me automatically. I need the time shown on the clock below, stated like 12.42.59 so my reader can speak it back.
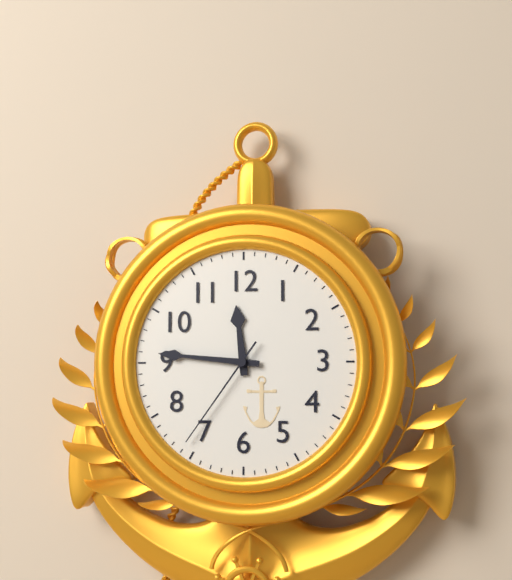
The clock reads 11.46.36
